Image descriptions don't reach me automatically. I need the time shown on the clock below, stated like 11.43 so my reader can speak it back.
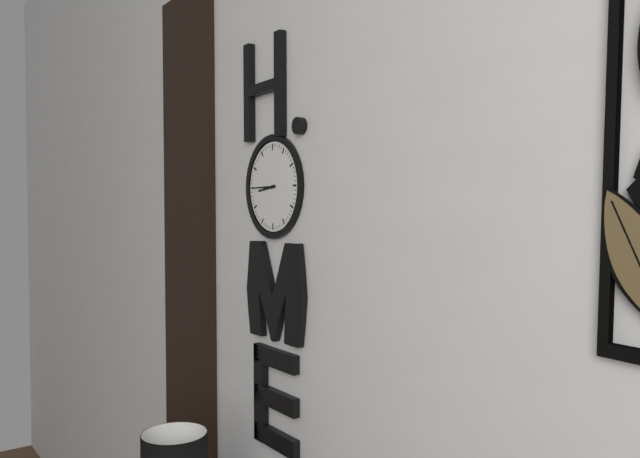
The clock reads 8.45
